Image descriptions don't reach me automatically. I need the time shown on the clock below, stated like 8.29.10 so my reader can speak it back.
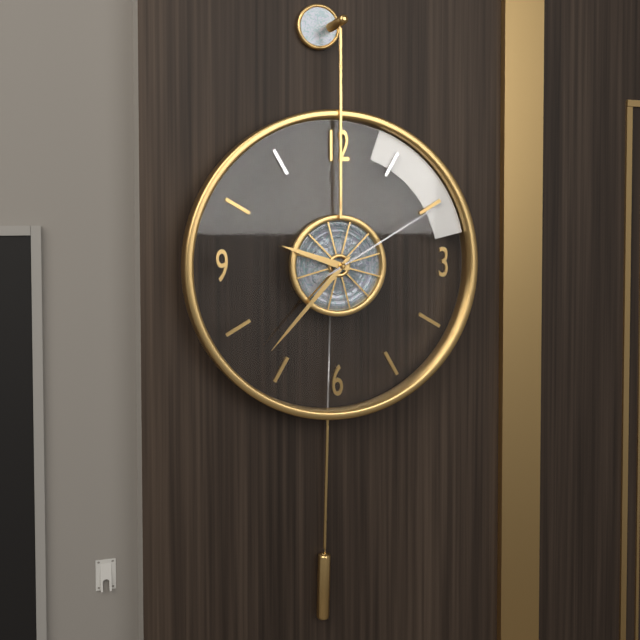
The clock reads 9.37.10
